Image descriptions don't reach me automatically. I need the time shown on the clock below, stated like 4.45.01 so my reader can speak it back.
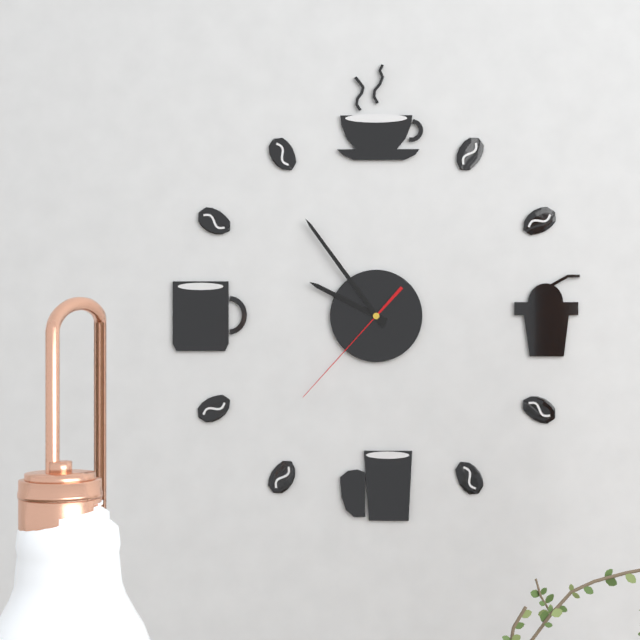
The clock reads 9.54.37
